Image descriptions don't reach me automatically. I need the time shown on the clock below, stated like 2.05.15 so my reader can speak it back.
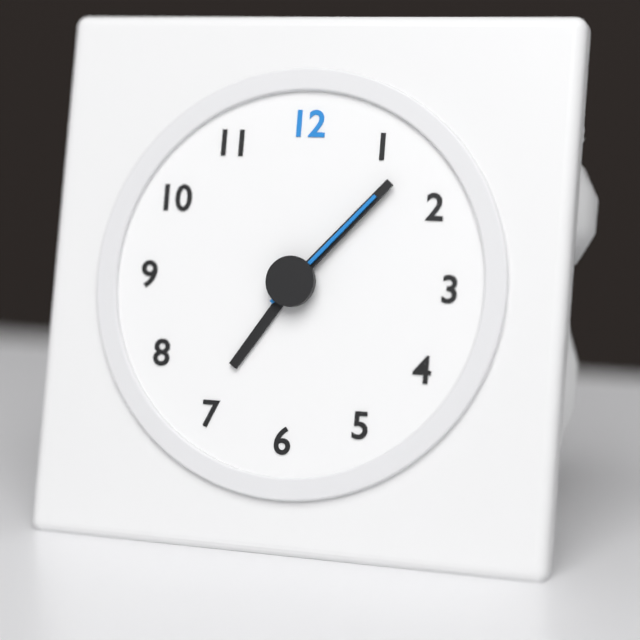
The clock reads 7.07.07
